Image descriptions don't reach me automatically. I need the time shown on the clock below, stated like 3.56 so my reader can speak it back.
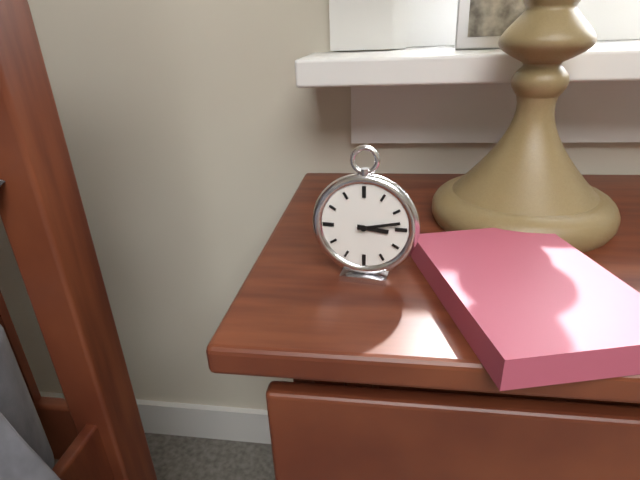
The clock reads 3.13
